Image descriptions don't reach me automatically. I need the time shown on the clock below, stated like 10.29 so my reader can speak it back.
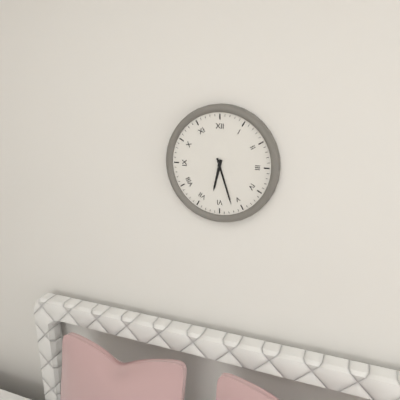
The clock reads 6.27
